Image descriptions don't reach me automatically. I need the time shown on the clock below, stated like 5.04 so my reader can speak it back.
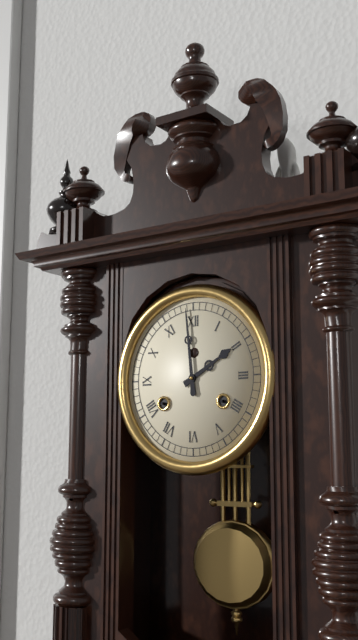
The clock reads 1.59
